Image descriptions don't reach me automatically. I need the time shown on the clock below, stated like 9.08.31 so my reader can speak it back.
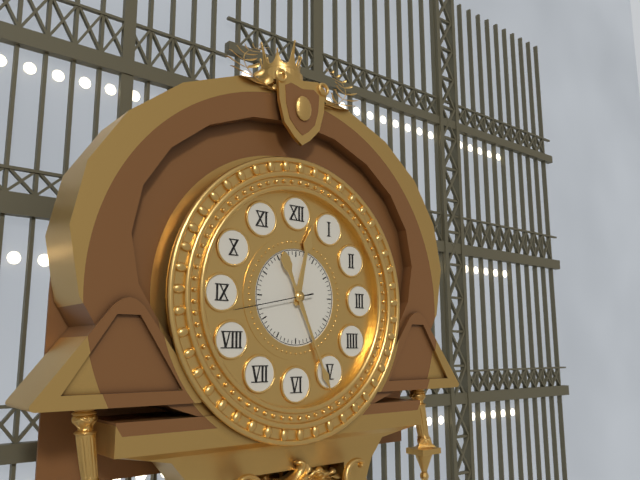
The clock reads 12.26.43
